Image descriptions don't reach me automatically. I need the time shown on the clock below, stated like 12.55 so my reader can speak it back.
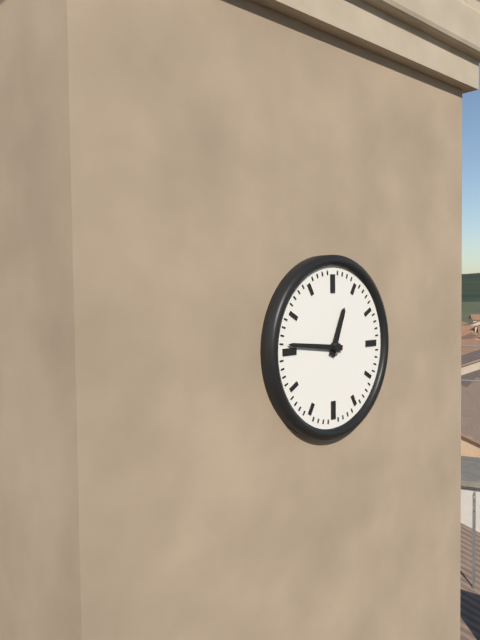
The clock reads 12.46
